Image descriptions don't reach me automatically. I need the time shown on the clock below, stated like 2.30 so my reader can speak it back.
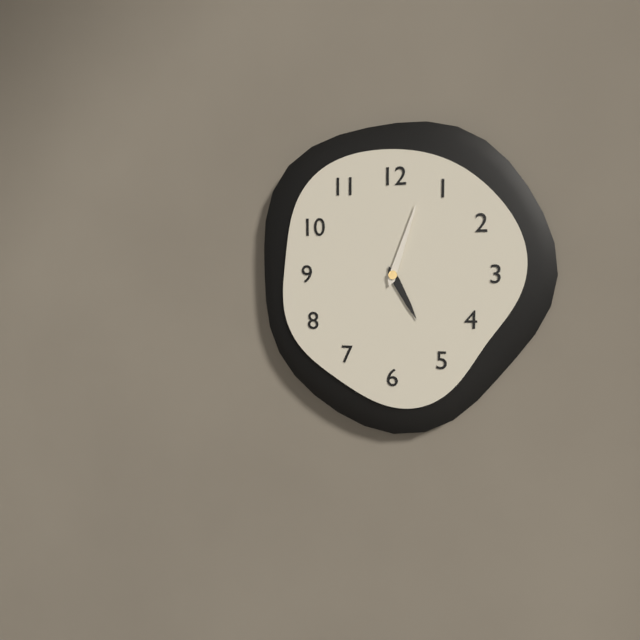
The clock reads 5.03
